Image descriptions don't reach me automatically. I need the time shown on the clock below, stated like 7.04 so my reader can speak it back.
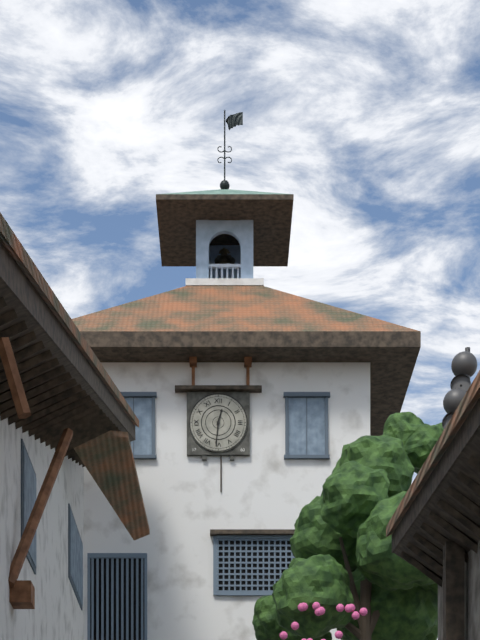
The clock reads 12.31
